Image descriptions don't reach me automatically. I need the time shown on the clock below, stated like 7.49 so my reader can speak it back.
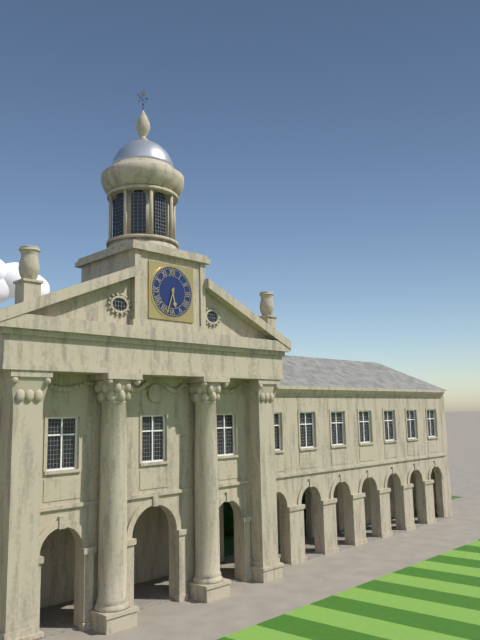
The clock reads 5.33
